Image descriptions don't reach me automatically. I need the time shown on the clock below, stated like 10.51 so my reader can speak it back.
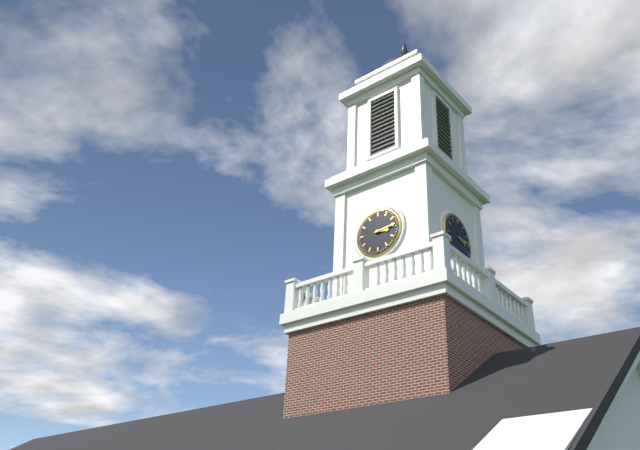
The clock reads 3.14
